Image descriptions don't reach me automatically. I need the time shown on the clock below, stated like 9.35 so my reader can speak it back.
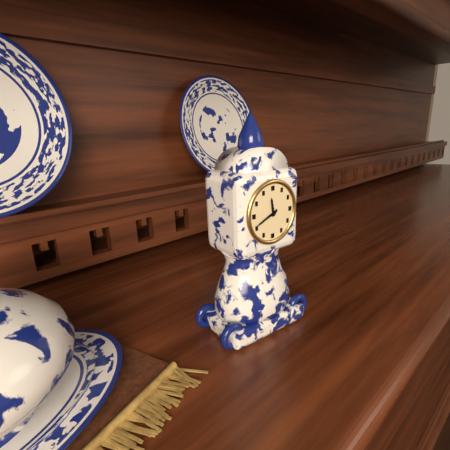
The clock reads 11.41
